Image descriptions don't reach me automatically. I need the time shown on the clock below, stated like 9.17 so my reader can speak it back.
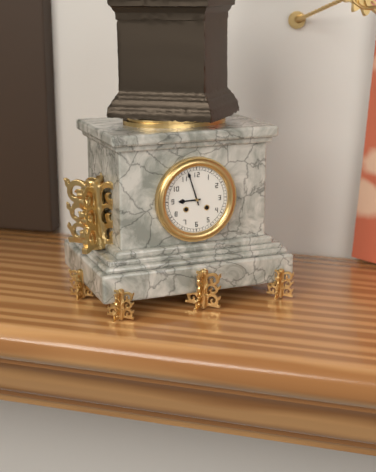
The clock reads 8.57
